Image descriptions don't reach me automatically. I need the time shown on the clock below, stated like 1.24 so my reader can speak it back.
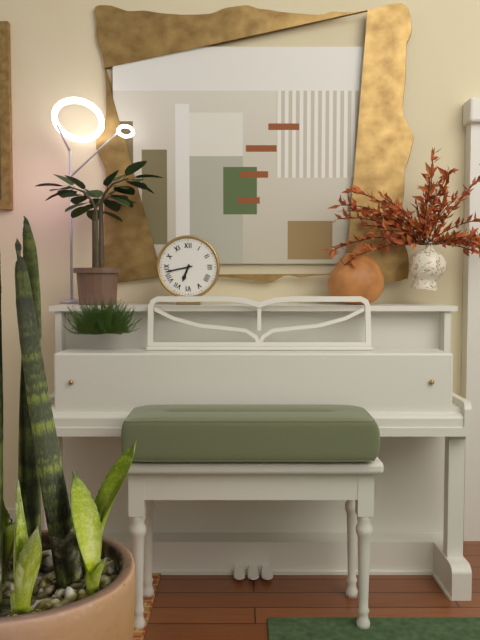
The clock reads 6.43
